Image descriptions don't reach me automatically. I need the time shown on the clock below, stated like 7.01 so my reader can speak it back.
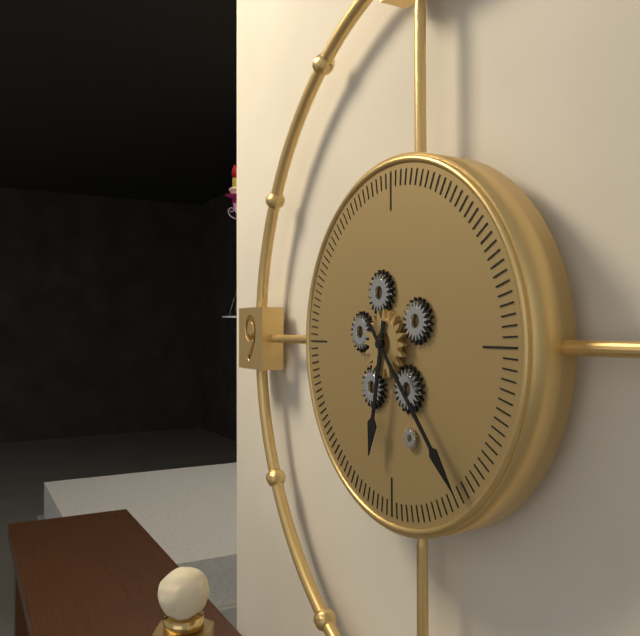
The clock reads 6.23
